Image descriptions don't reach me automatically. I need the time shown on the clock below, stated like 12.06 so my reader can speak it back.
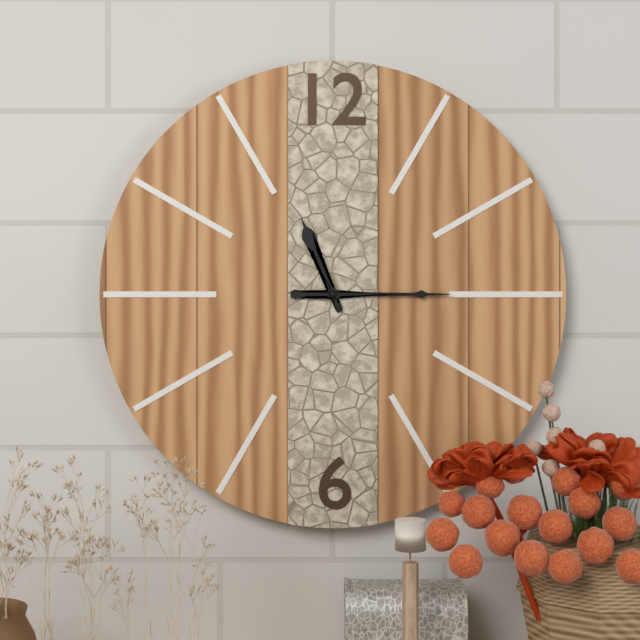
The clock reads 11.15
